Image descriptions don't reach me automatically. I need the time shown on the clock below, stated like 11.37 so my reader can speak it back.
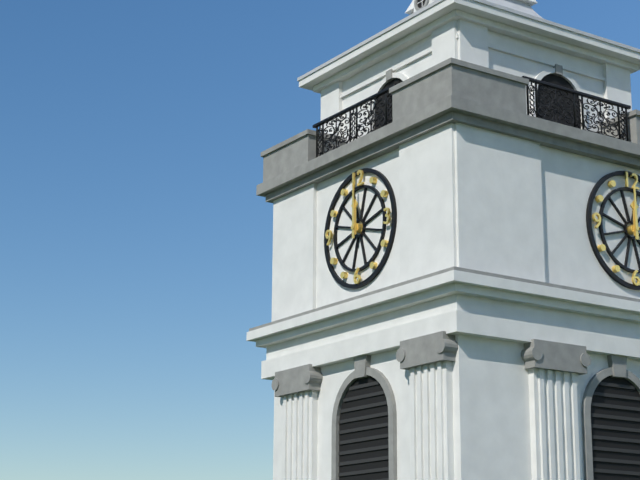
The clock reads 12.00
